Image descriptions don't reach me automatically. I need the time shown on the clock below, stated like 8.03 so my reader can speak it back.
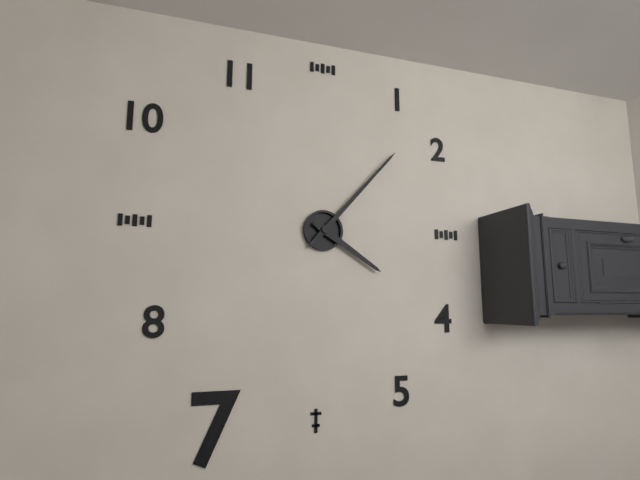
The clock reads 4.07
